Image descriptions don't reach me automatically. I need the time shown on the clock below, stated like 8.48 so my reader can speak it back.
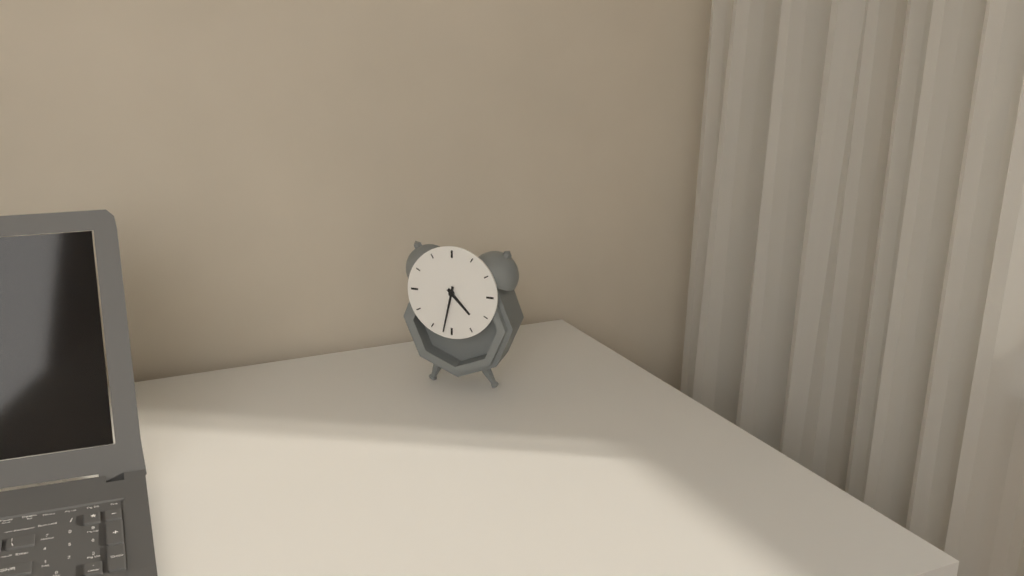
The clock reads 4.32
